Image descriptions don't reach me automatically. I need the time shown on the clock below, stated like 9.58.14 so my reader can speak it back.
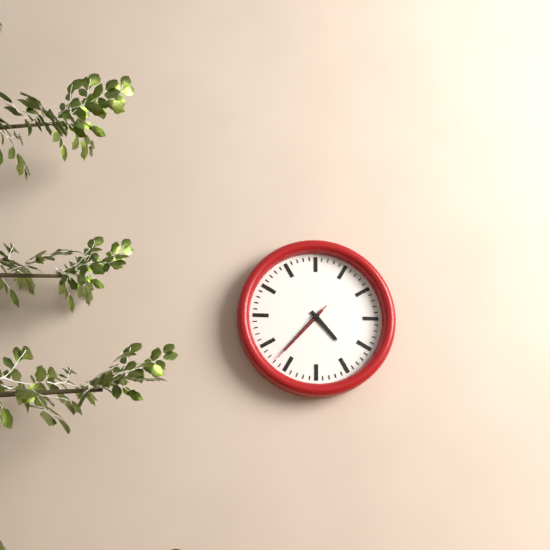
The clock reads 4.37.37
